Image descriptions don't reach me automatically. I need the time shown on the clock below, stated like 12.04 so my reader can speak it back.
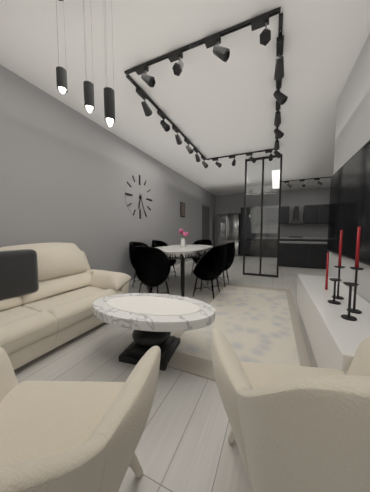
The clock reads 6.26
